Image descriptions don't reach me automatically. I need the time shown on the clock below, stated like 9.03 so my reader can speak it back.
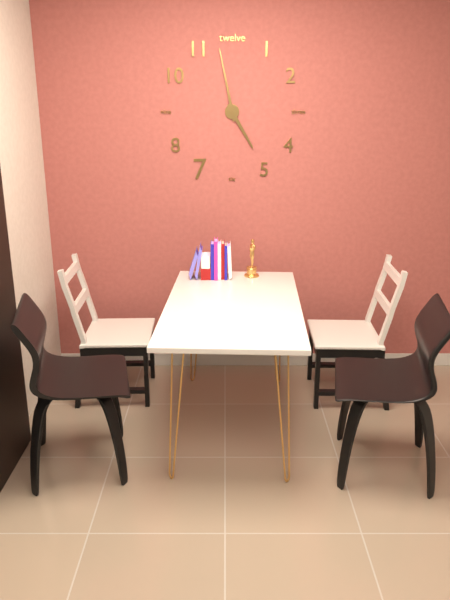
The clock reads 4.58
